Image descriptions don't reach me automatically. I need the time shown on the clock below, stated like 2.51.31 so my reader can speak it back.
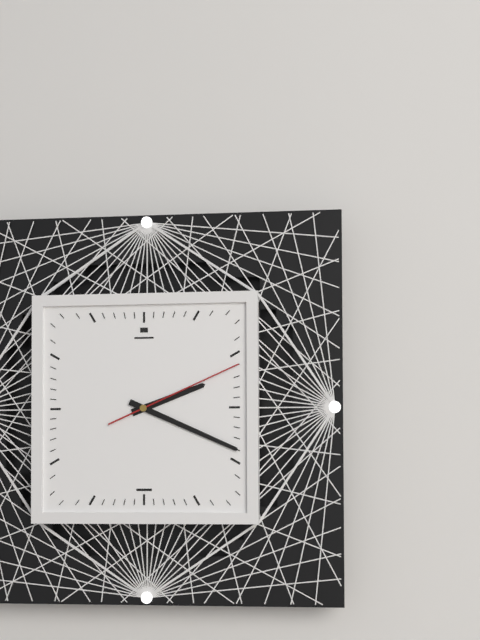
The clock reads 2.19.11
